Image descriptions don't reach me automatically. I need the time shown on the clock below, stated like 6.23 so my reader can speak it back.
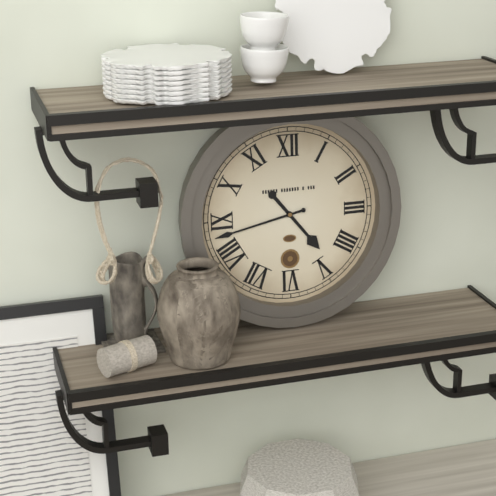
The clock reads 4.43
